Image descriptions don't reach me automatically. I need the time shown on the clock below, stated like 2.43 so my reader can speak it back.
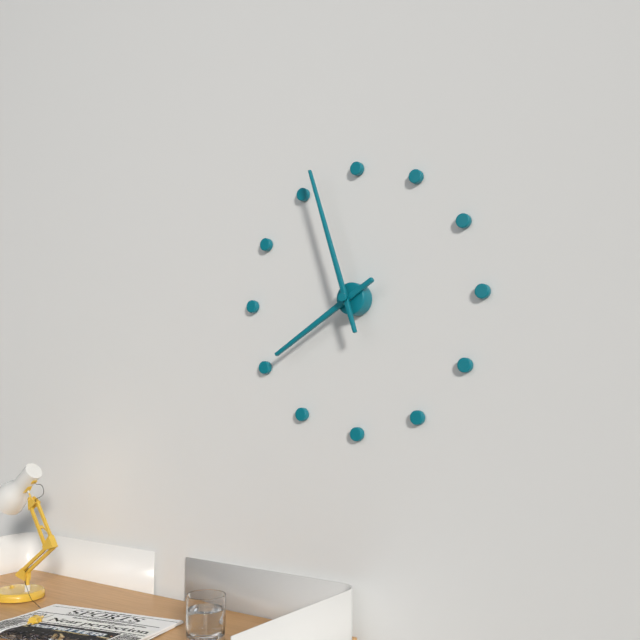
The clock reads 7.57
